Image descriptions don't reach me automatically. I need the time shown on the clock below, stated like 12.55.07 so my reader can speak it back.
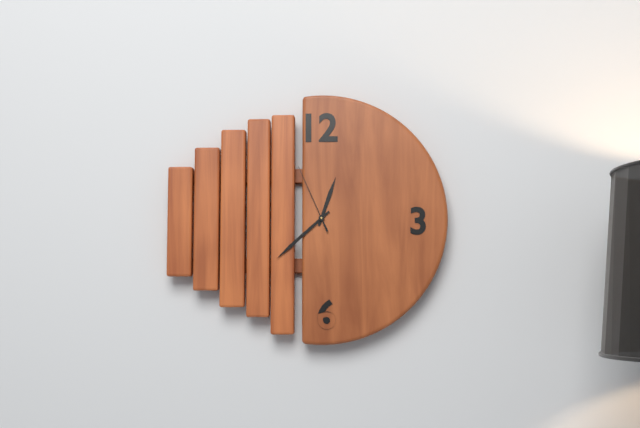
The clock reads 12.38.56
